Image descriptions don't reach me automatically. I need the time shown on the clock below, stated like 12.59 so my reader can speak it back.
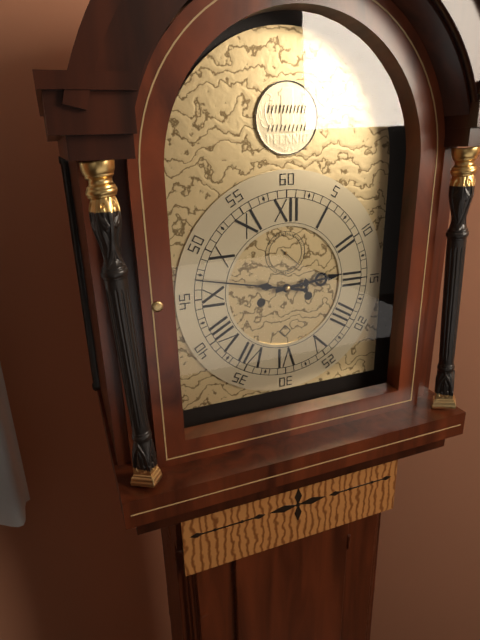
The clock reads 2.47
